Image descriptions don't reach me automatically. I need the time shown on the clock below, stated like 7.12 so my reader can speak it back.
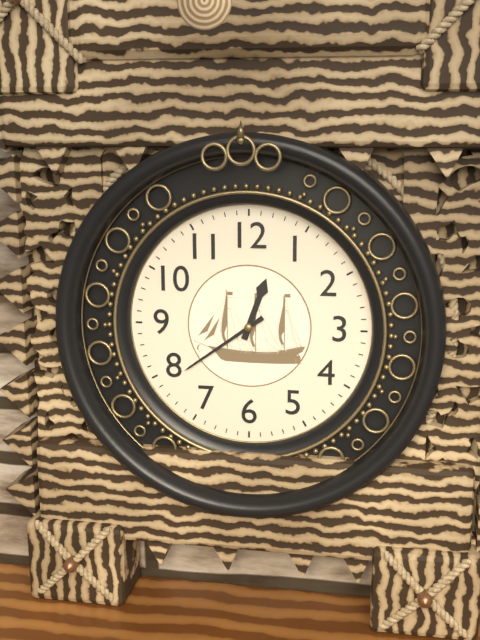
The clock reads 12.39
